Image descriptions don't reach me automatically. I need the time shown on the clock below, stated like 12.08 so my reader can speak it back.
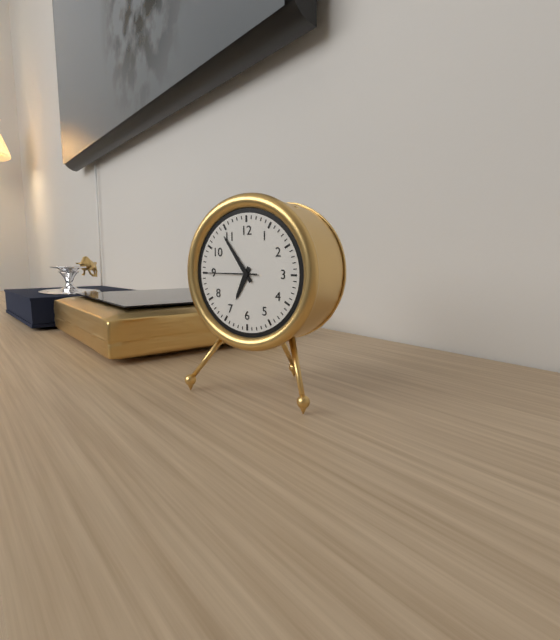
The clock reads 6.54
